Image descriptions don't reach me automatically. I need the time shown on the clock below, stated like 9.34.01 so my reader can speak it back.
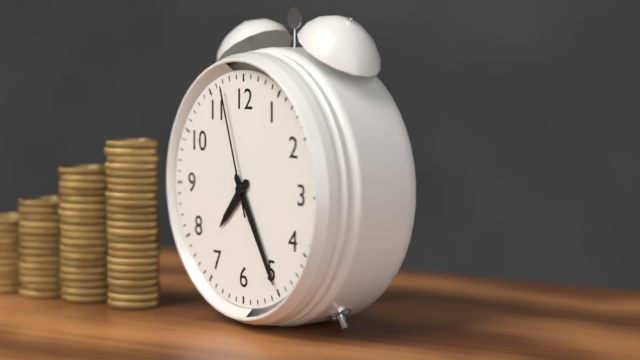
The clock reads 7.25.57
